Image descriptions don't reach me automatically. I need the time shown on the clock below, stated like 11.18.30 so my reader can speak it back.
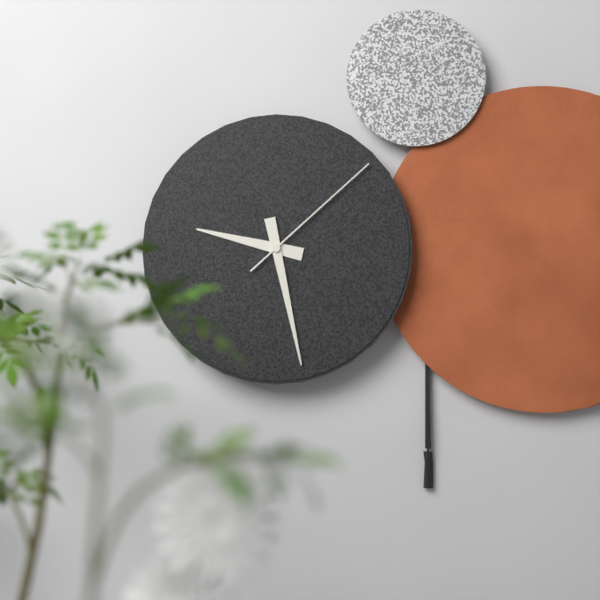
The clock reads 9.28.08
